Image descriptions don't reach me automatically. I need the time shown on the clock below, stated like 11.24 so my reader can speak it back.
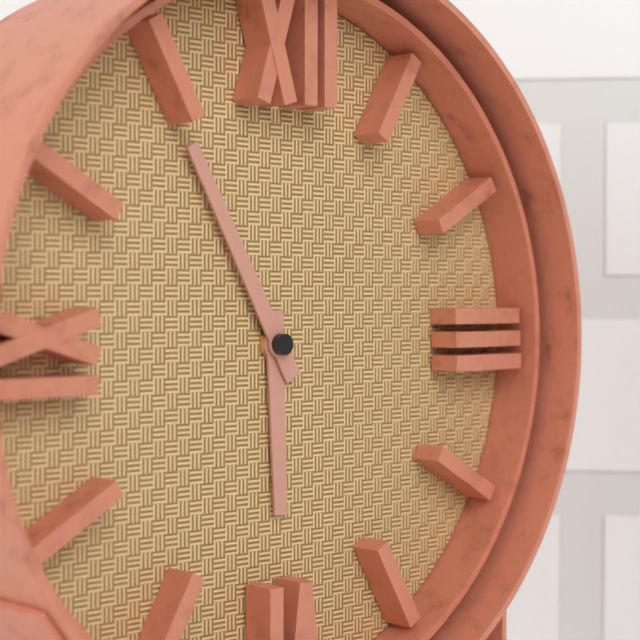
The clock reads 5.55
